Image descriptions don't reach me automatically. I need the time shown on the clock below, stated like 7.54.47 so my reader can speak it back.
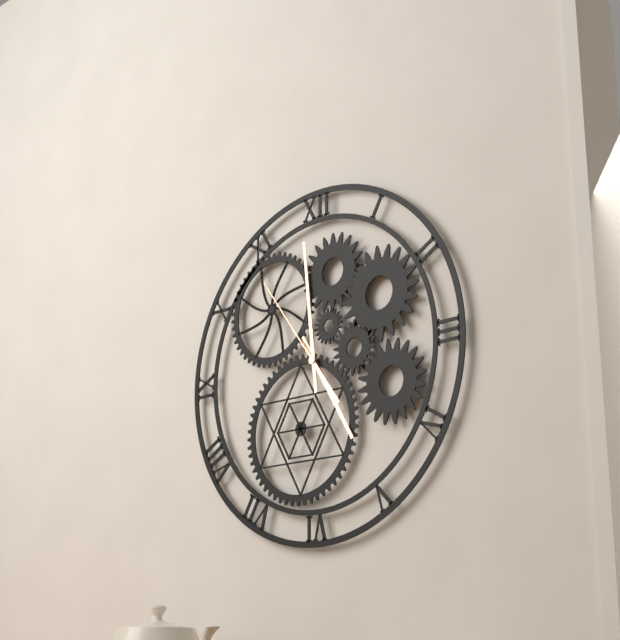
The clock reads 4.59.54
